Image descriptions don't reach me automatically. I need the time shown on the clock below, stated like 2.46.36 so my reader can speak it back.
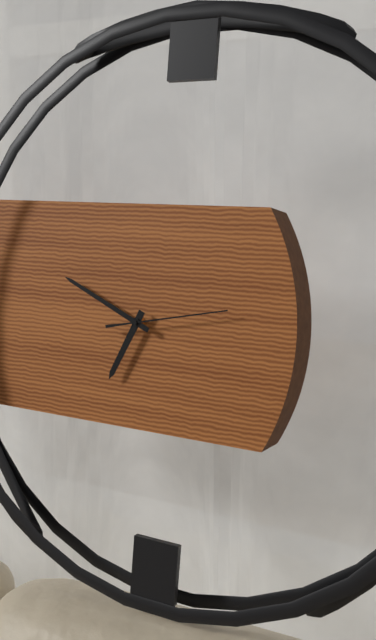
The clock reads 6.49.13
